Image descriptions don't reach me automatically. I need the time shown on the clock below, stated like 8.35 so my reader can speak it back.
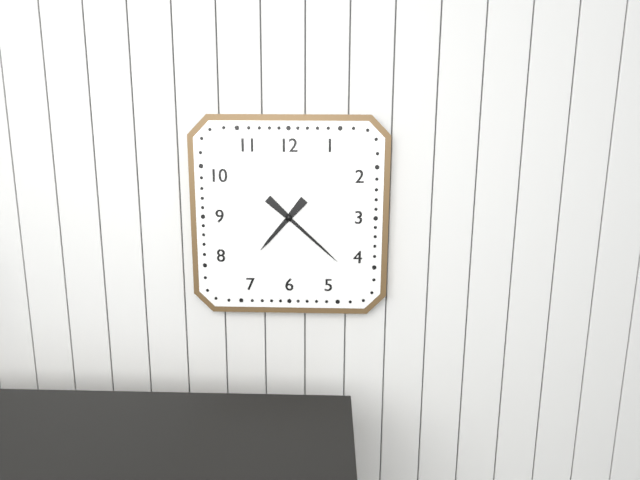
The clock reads 7.22
